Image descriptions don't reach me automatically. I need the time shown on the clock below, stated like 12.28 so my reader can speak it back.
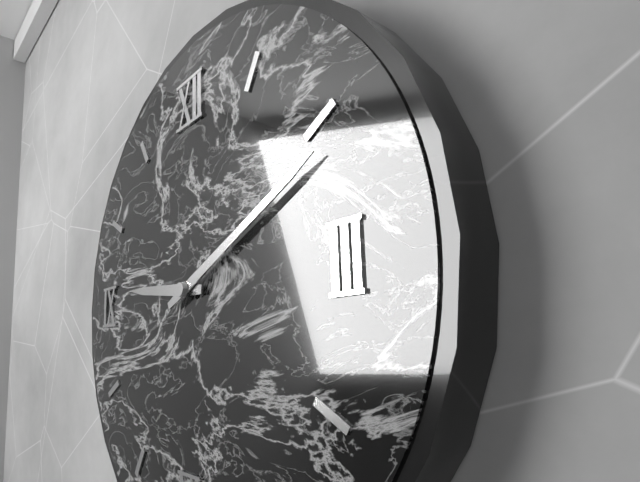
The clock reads 9.11
